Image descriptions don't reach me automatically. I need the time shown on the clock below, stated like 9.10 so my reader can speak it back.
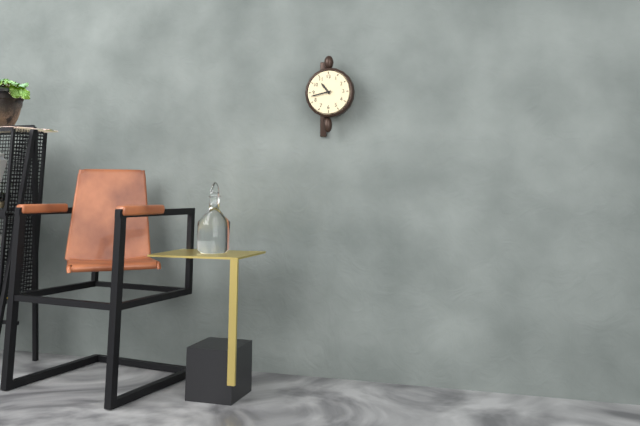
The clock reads 10.43
